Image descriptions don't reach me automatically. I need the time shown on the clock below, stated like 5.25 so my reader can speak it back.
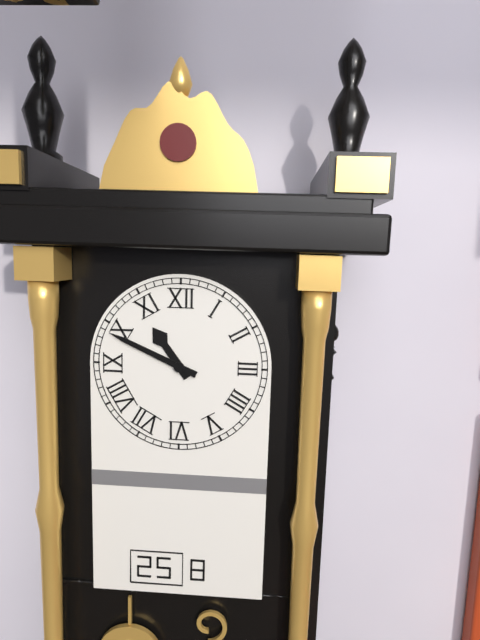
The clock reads 10.49
